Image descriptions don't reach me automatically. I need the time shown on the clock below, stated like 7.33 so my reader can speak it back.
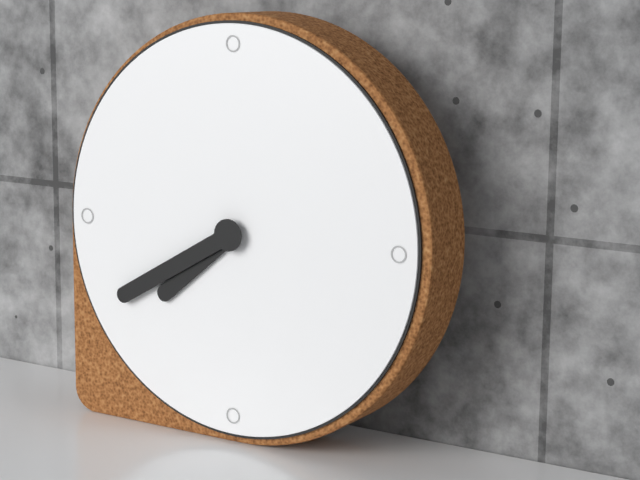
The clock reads 7.40
